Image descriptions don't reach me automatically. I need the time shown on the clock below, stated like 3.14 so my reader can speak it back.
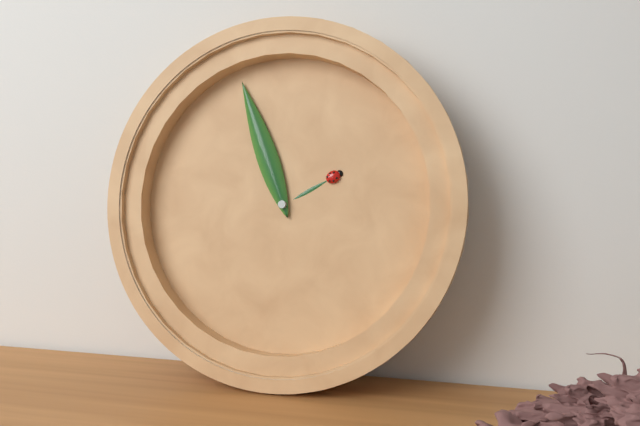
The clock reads 1.56
